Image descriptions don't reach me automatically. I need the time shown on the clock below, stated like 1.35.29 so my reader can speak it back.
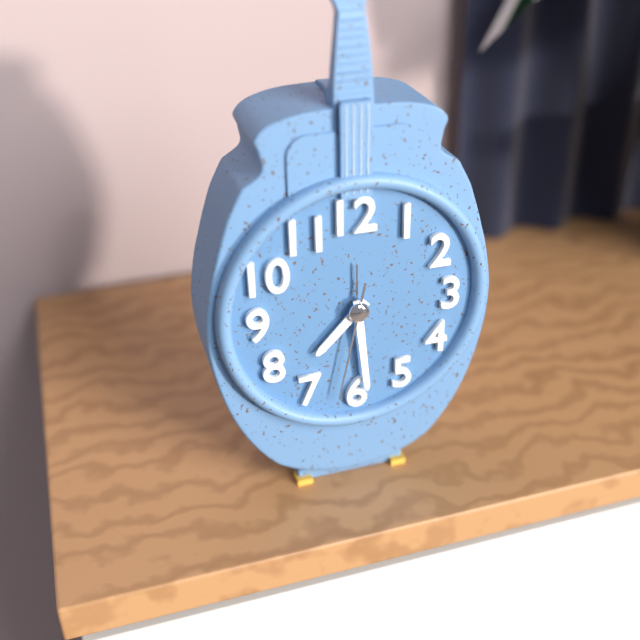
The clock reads 7.29.32
